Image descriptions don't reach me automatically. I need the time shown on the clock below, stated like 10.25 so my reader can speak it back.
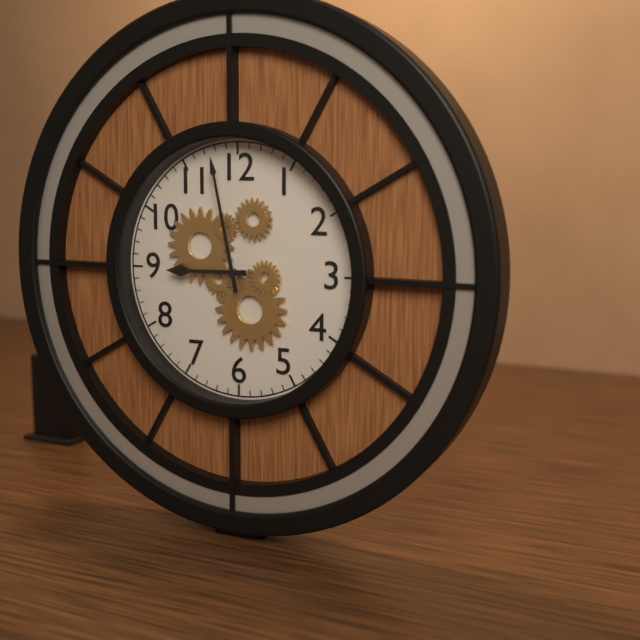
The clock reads 8.58
